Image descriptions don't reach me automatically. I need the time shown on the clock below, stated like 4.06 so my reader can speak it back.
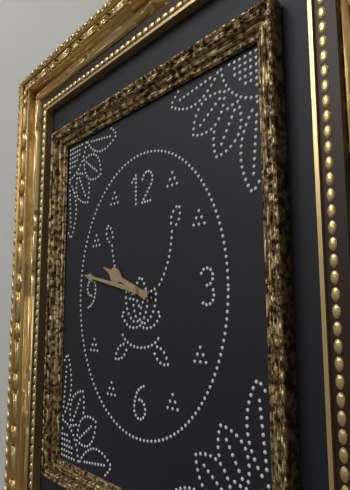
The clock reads 9.47
